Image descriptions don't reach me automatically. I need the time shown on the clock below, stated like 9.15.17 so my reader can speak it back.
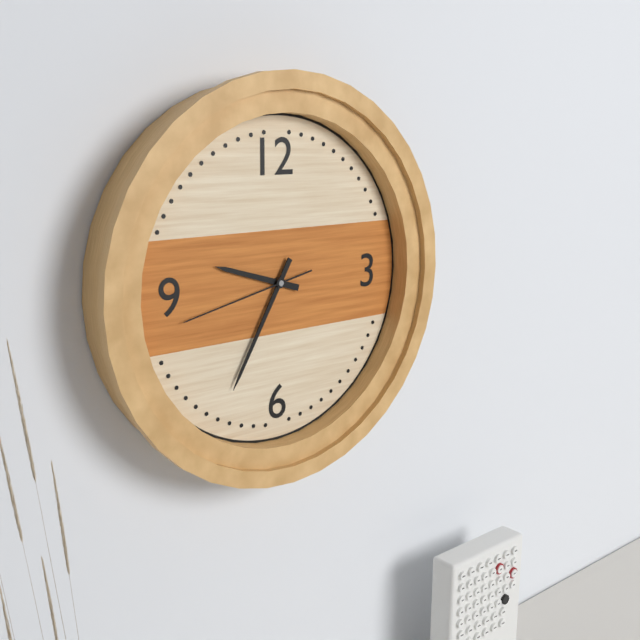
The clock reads 9.35.43
